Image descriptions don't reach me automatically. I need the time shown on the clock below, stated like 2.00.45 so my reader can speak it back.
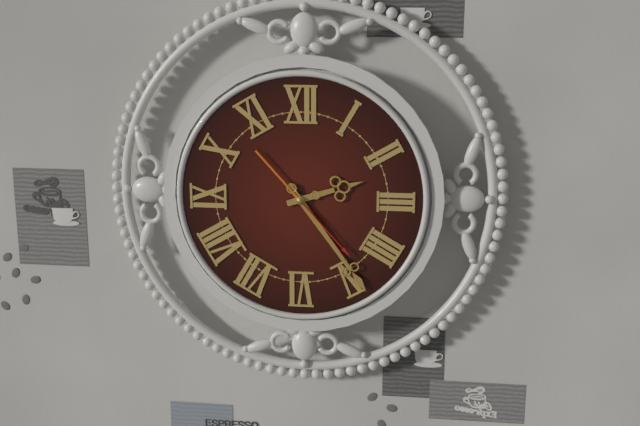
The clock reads 2.24.23
